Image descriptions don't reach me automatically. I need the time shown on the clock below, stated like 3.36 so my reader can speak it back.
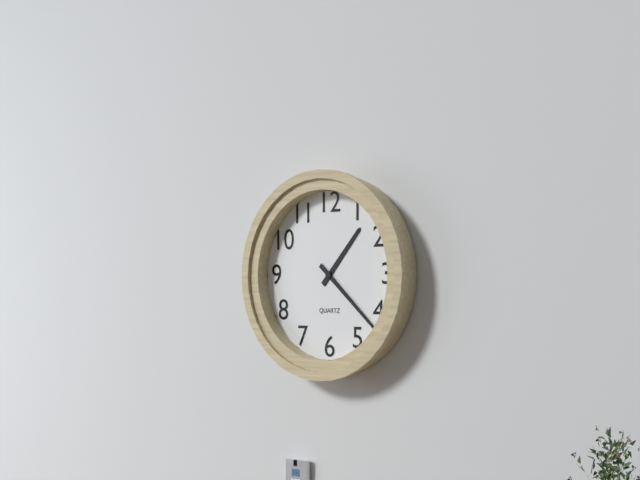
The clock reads 1.22
